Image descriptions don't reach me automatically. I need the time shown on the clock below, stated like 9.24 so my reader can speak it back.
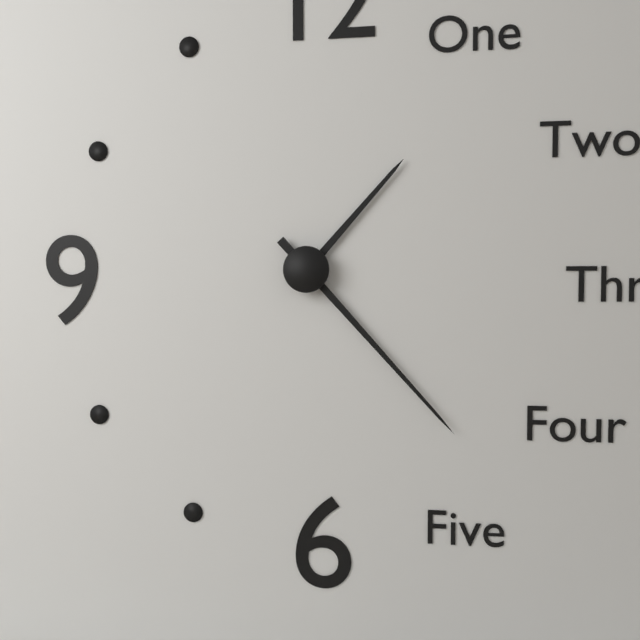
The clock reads 1.23
